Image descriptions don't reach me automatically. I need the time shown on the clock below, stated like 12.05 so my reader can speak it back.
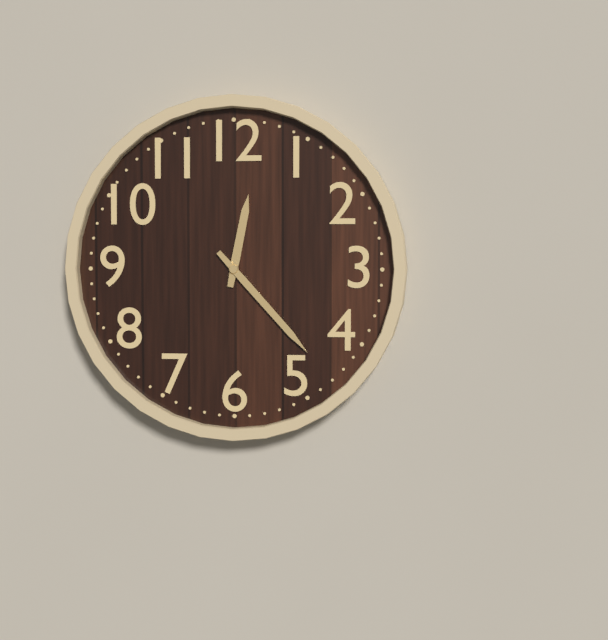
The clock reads 12.23
